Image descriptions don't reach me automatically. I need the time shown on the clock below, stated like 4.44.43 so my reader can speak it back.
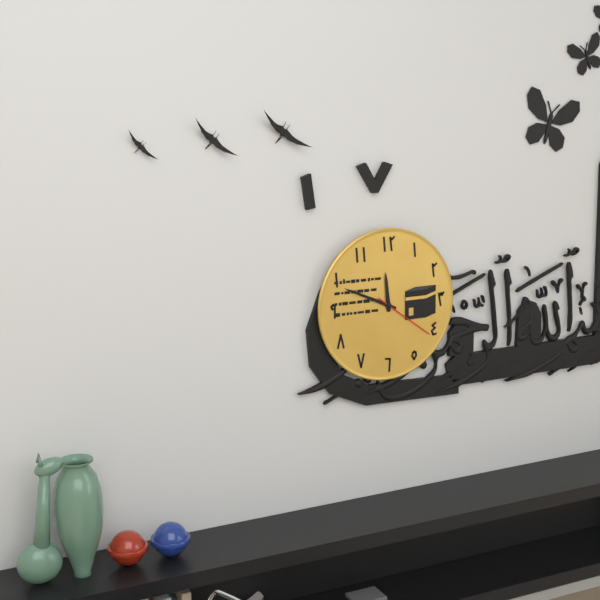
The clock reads 11.49.21
